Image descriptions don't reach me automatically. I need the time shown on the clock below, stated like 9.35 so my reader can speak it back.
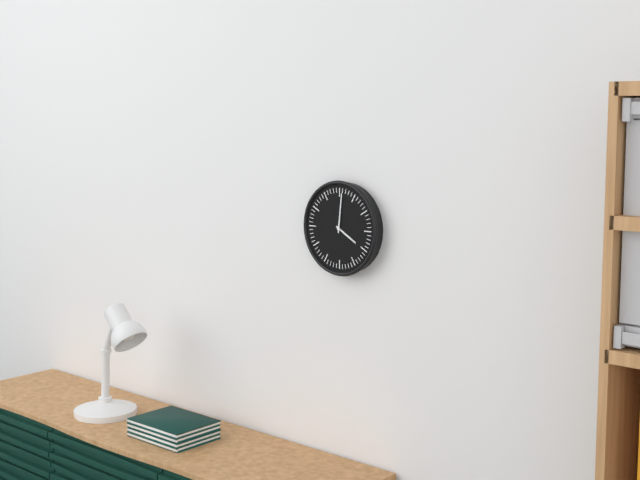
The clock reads 4.01
